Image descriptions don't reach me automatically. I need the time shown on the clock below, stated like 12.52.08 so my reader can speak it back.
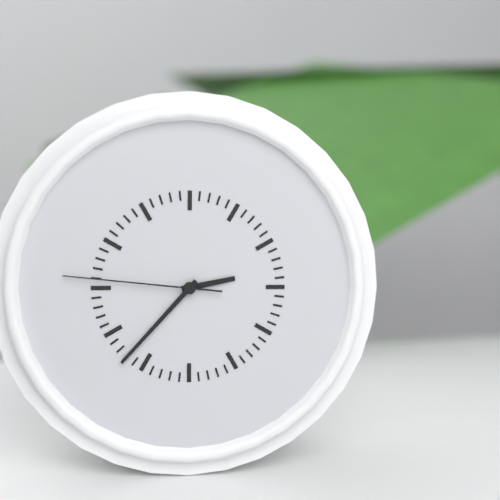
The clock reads 2.37.46
